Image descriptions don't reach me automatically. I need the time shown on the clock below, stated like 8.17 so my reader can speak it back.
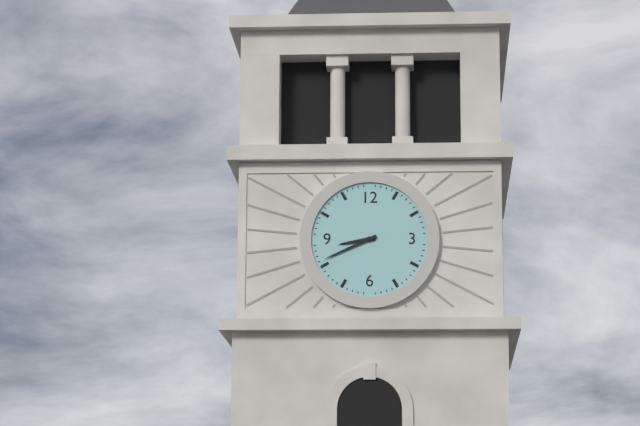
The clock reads 8.41
